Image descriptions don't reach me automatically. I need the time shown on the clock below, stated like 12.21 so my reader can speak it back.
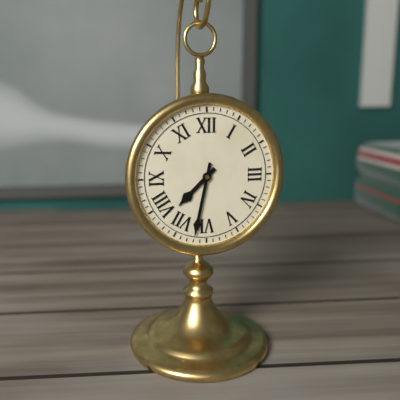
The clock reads 7.32
